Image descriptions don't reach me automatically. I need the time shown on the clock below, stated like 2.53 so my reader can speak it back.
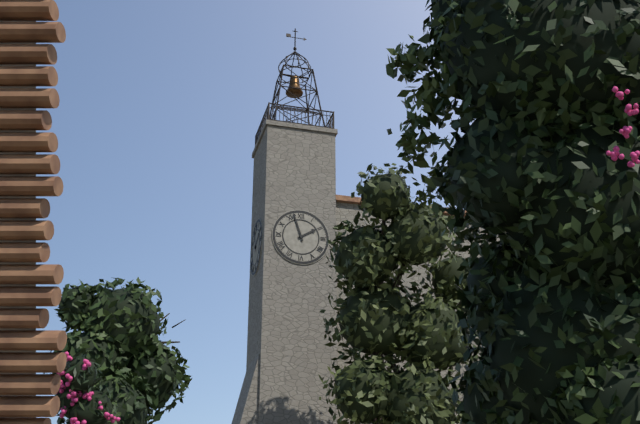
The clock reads 1.57
